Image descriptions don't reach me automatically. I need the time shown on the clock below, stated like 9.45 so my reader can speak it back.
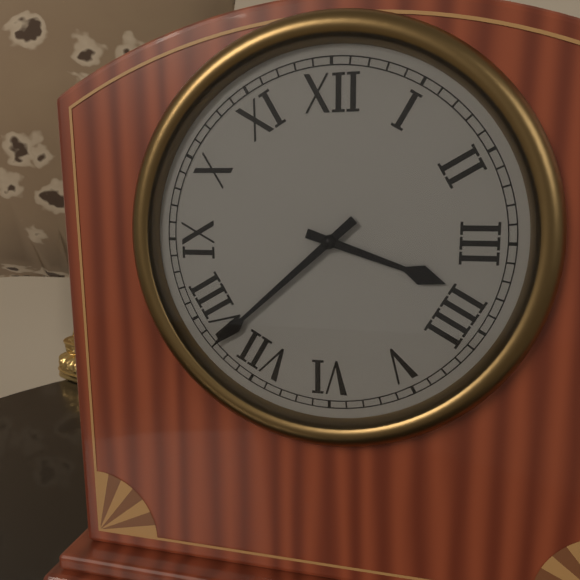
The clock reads 3.38
